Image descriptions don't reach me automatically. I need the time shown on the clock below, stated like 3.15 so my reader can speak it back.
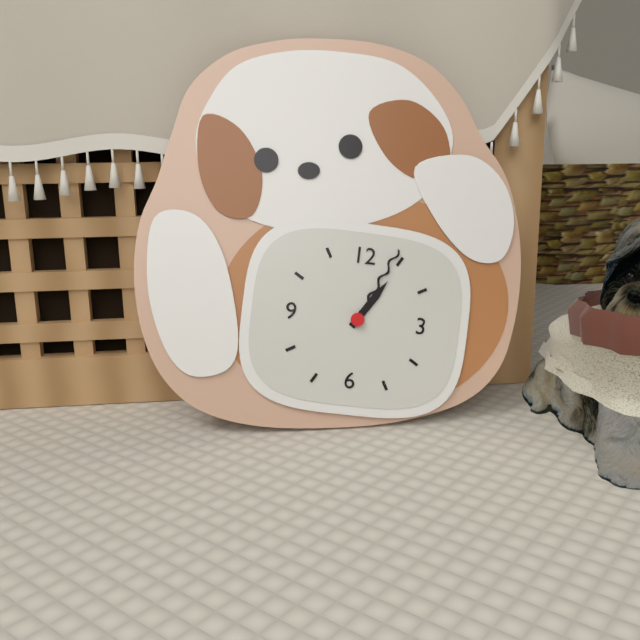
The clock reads 1.04
